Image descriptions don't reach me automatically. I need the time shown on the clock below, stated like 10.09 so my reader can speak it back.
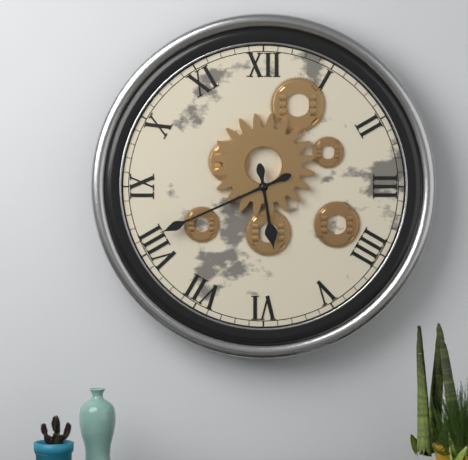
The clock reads 5.41
